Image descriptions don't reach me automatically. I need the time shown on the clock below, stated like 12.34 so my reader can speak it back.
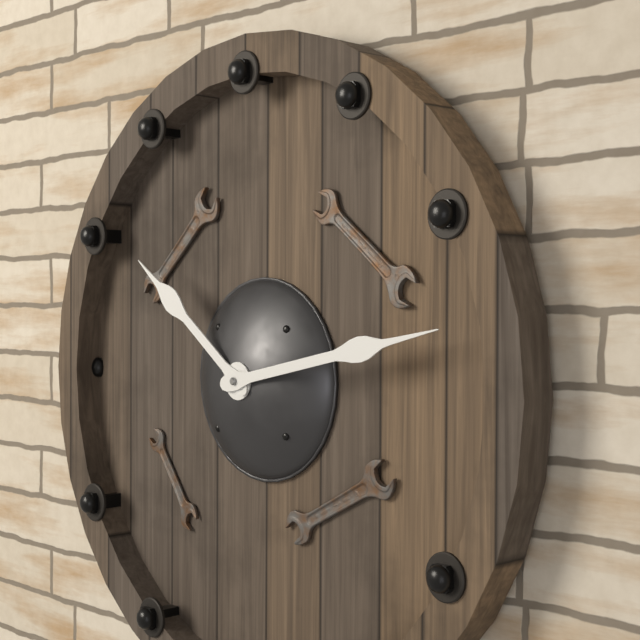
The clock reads 10.13
